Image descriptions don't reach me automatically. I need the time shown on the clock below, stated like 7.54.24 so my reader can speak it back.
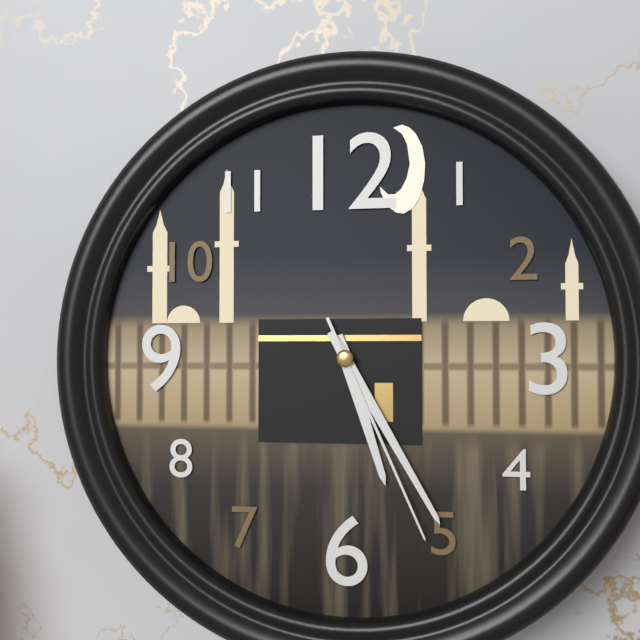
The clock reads 5.25.26
